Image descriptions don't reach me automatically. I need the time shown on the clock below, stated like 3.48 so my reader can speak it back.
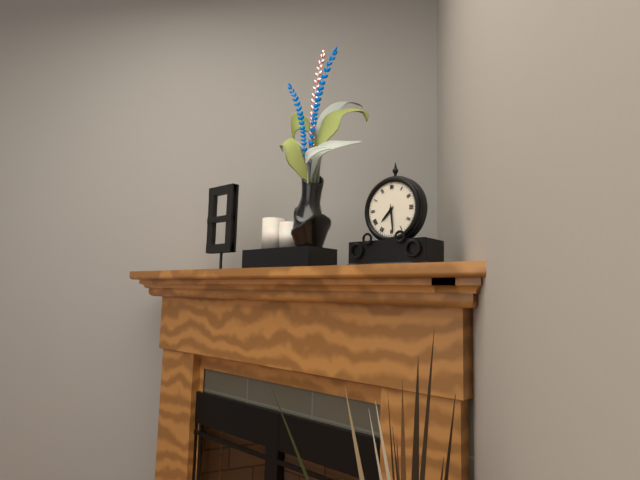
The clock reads 7.29
